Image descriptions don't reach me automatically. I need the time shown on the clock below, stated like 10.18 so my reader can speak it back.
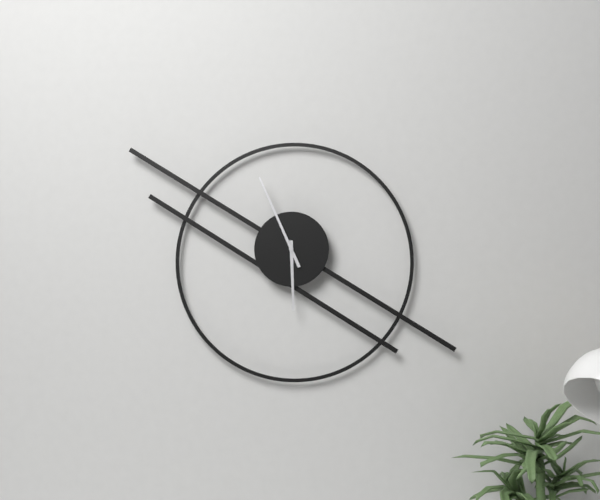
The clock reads 5.56
